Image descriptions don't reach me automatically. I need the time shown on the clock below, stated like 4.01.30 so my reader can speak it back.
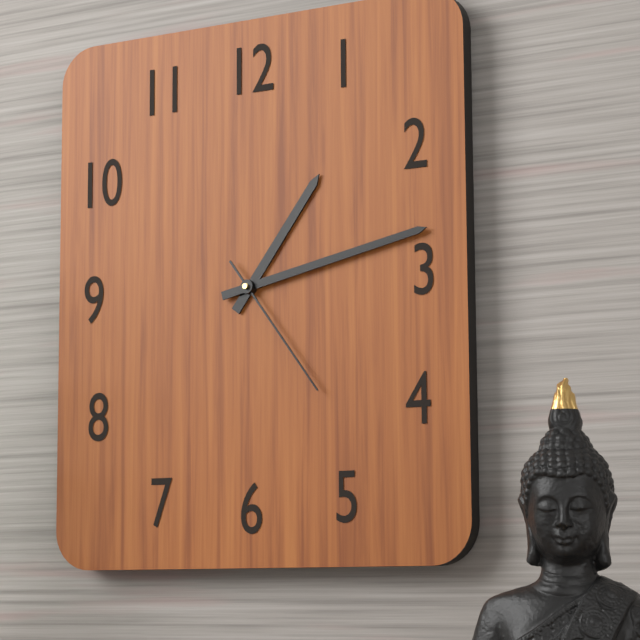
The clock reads 1.13.24
